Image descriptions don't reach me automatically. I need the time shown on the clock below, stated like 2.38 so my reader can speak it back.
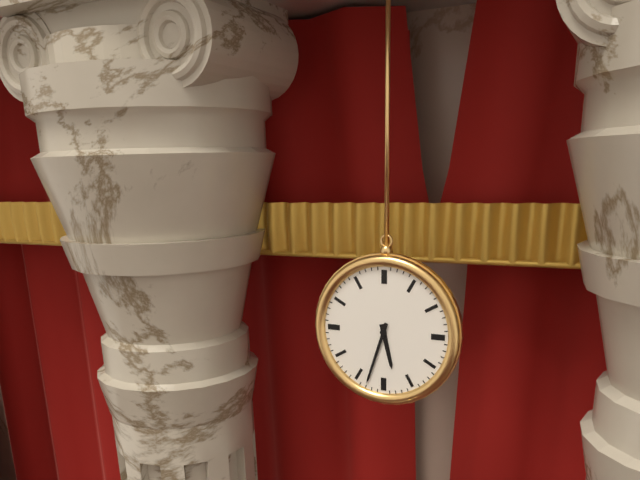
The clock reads 5.33
